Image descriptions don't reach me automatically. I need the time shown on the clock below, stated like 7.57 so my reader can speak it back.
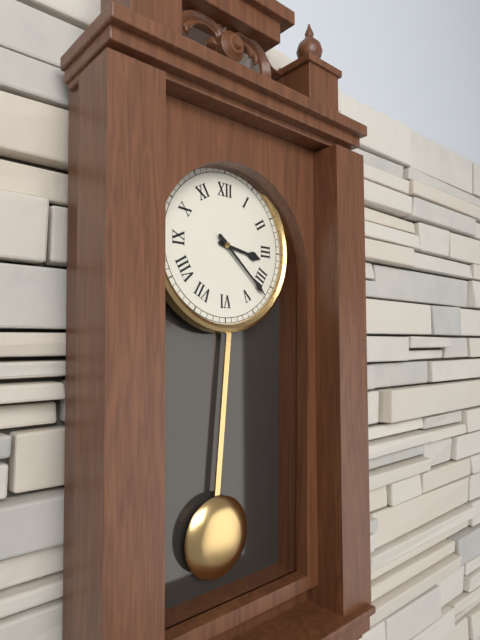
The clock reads 3.22
